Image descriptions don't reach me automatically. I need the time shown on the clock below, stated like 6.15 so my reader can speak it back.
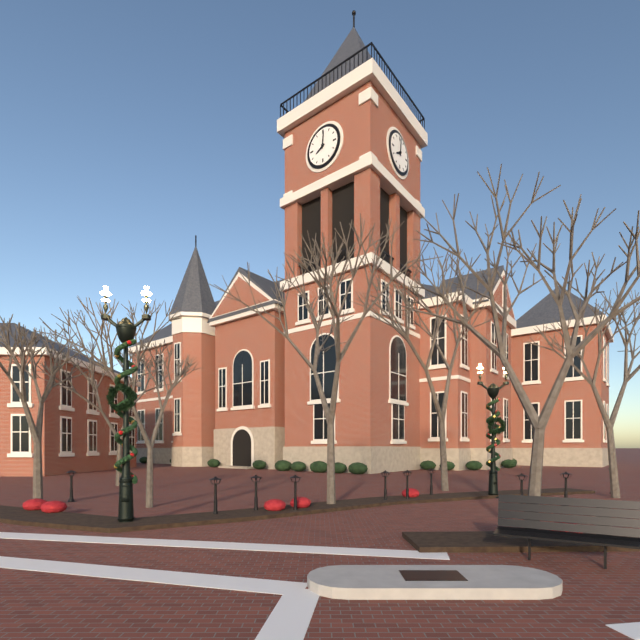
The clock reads 8.01
